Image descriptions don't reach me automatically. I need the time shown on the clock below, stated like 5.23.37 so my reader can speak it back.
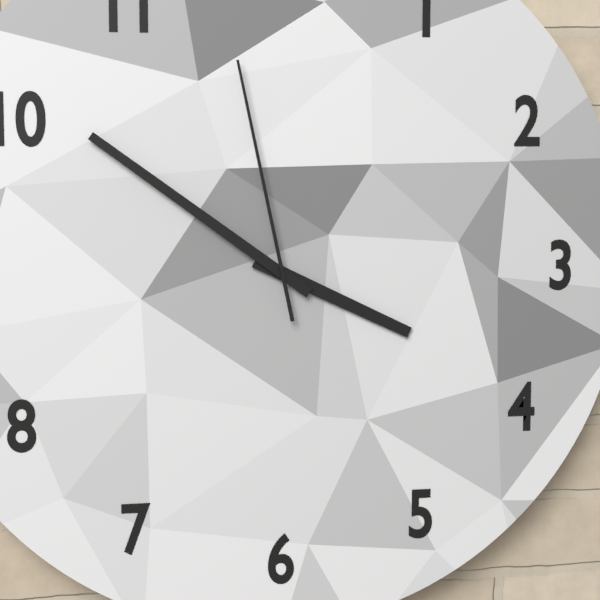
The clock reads 3.51.58
